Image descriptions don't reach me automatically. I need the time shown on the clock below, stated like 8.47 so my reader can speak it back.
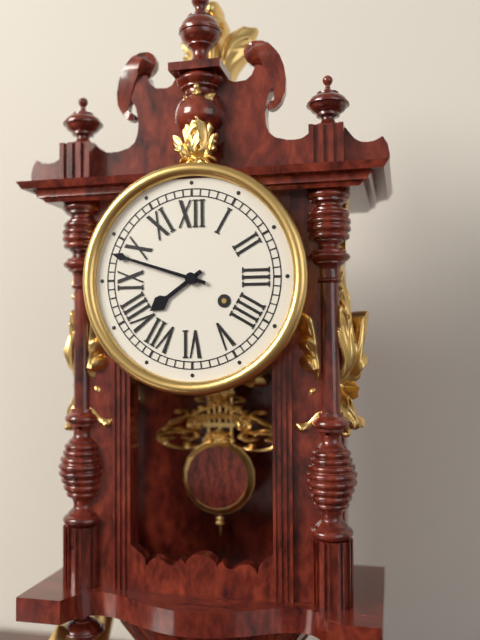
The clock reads 7.48
